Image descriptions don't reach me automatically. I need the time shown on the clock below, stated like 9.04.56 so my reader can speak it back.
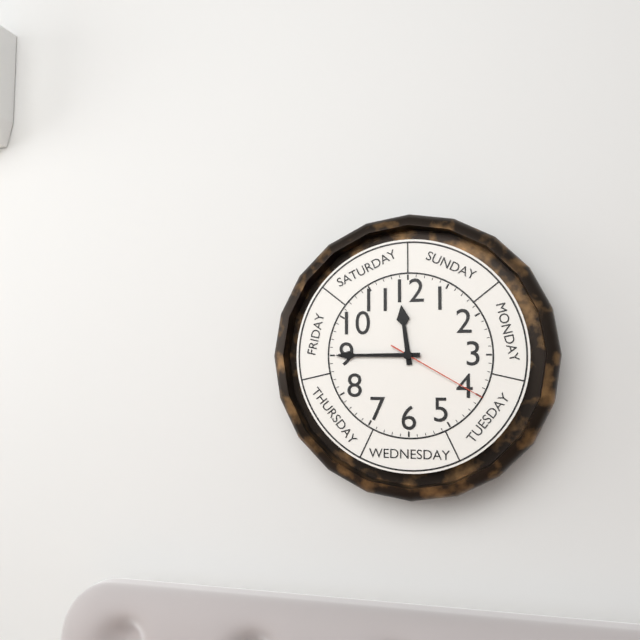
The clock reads 11.45.20
